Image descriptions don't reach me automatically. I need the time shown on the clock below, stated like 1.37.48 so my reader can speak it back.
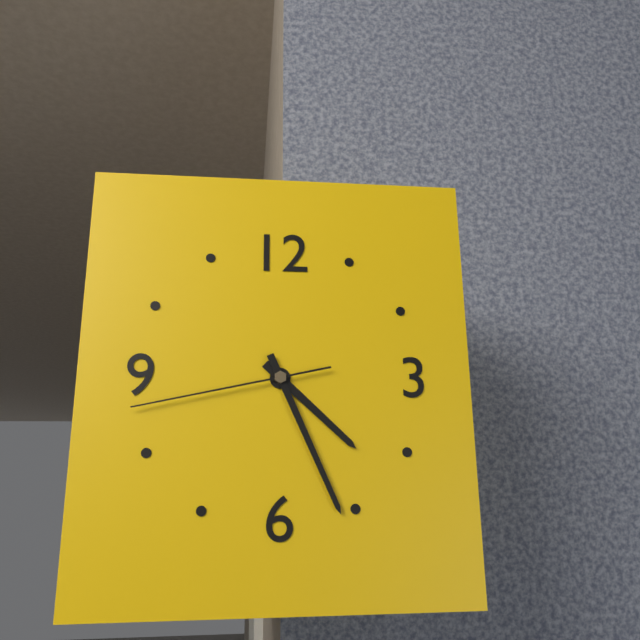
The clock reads 4.26.43
